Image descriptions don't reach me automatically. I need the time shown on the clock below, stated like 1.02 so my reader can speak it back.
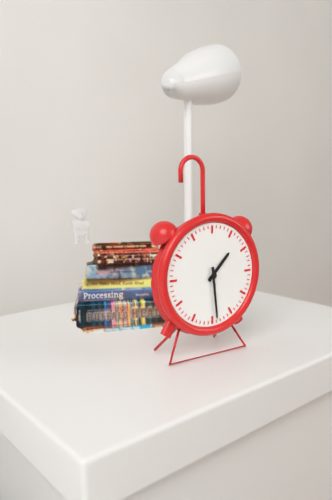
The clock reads 1.29
